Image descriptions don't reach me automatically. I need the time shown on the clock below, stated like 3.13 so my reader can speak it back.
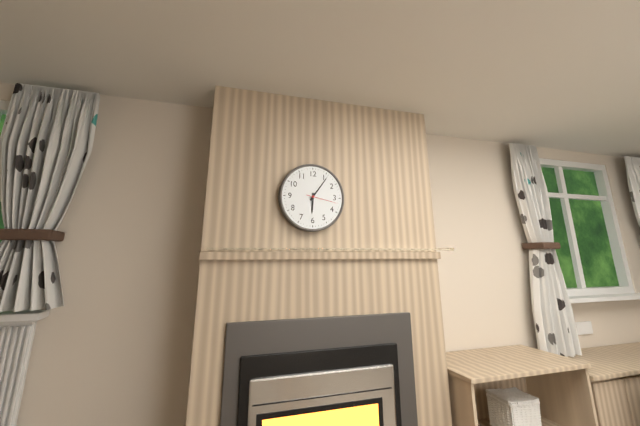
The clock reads 6.06
